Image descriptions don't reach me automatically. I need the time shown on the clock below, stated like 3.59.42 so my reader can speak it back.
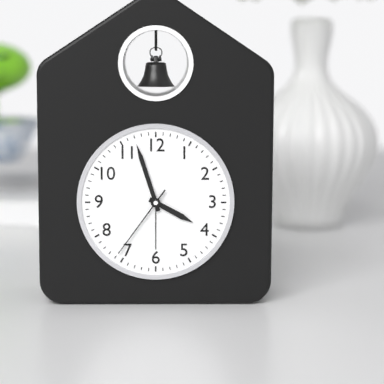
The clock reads 3.57.36
